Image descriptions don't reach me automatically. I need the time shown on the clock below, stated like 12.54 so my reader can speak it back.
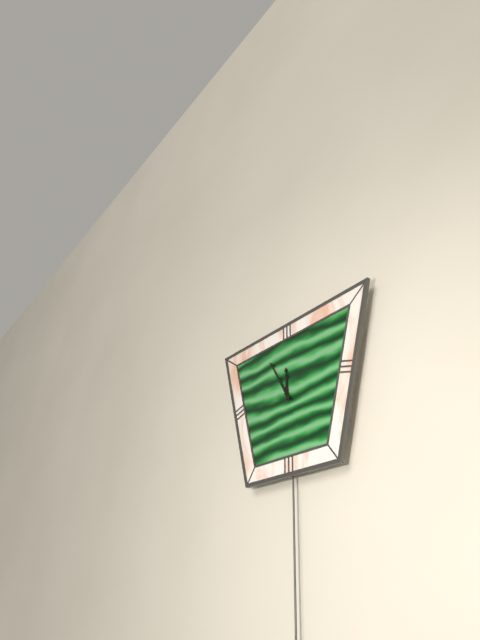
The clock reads 11.55
